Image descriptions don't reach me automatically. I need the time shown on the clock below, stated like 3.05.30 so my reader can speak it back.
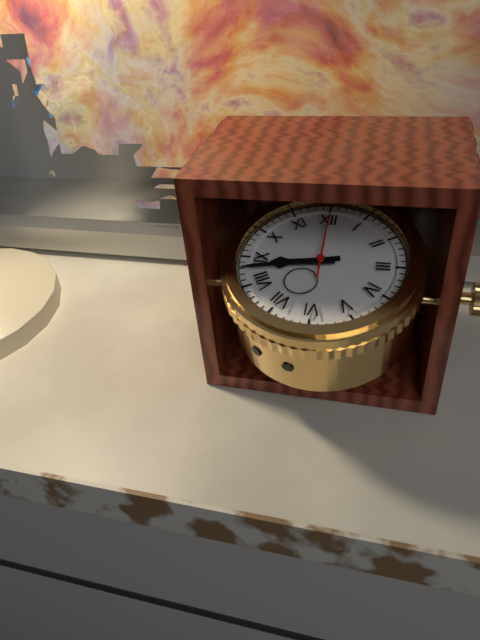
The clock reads 8.43.00
